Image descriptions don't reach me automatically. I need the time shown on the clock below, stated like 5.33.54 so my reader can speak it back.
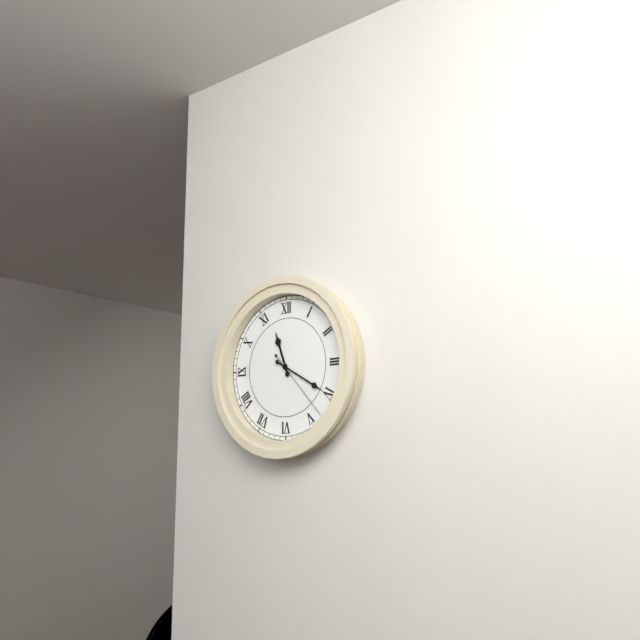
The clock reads 11.20.23
